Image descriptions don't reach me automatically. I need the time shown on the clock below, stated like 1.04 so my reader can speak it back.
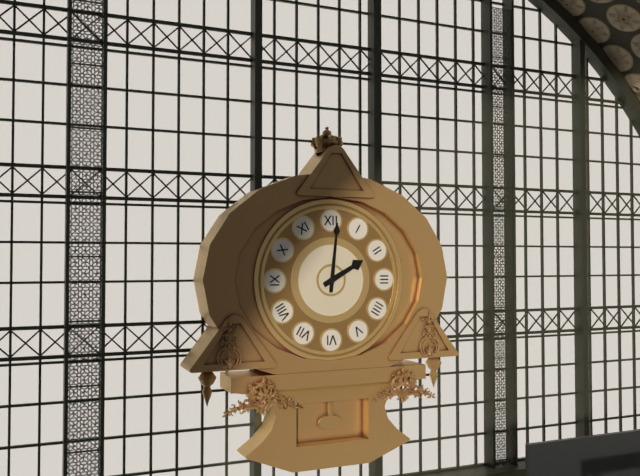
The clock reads 2.01
